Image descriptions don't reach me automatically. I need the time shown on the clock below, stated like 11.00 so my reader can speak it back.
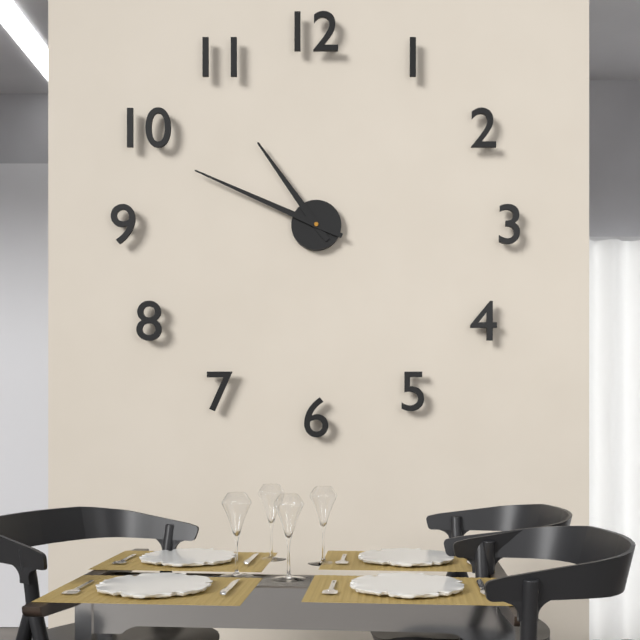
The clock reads 10.49
